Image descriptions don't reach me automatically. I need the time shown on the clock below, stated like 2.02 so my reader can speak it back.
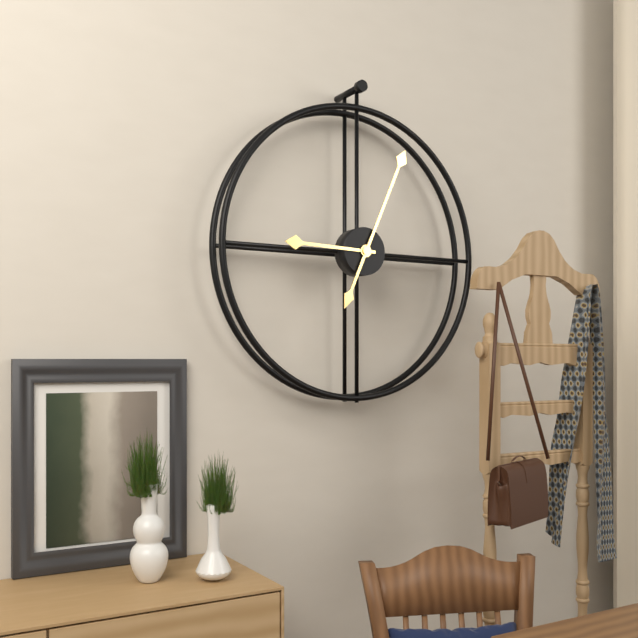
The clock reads 9.04
